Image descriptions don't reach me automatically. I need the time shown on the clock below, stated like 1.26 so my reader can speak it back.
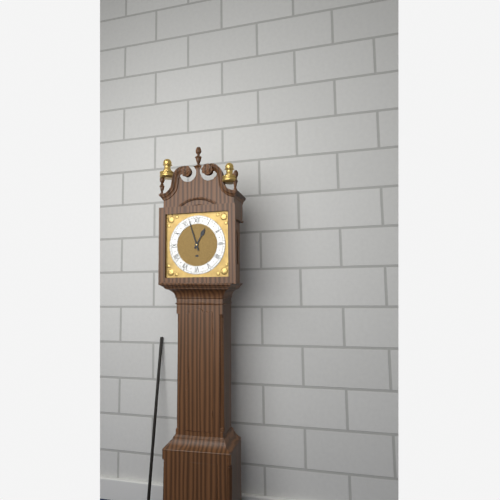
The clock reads 12.57
